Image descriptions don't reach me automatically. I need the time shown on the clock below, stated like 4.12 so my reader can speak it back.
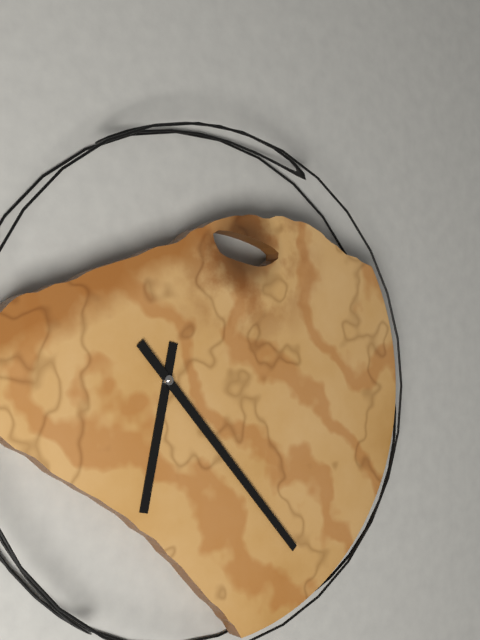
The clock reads 6.23
